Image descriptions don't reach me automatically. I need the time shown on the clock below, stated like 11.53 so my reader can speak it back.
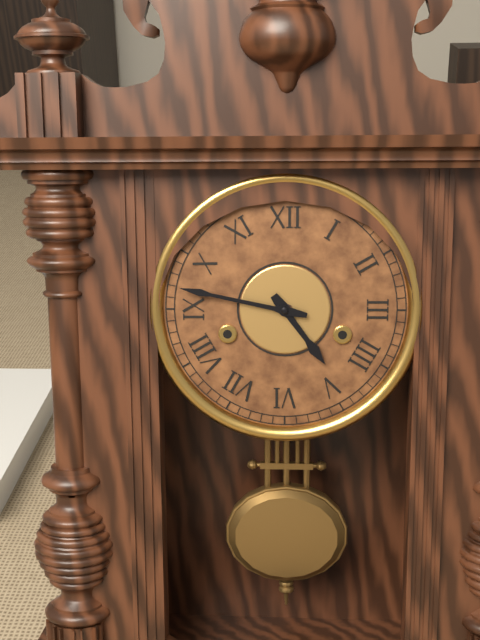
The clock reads 4.47
